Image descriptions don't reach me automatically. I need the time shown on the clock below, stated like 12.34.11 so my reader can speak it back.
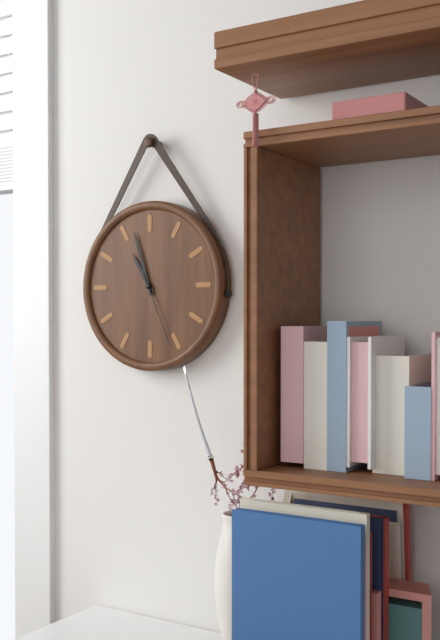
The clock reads 10.57.26
